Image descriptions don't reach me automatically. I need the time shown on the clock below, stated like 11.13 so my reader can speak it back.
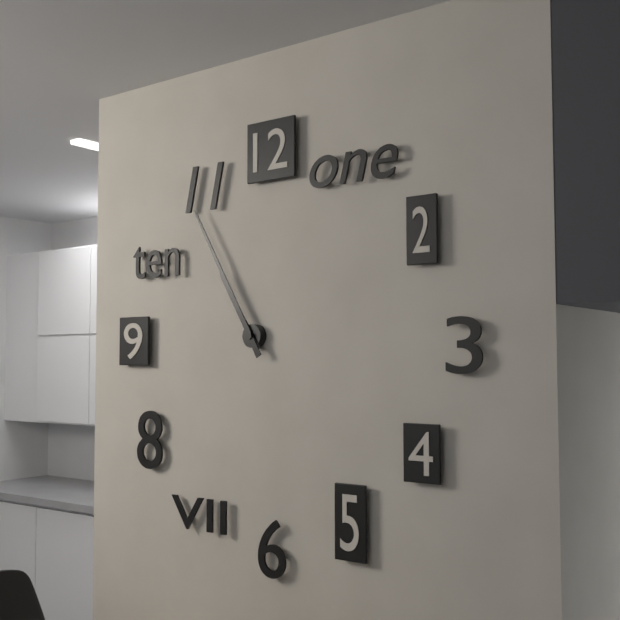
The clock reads 10.55
